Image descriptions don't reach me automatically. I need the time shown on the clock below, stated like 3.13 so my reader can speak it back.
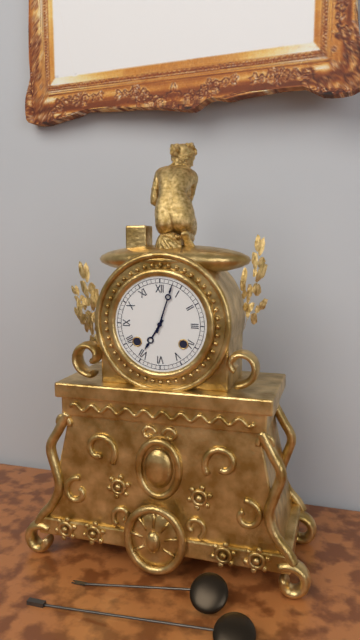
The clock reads 7.03
